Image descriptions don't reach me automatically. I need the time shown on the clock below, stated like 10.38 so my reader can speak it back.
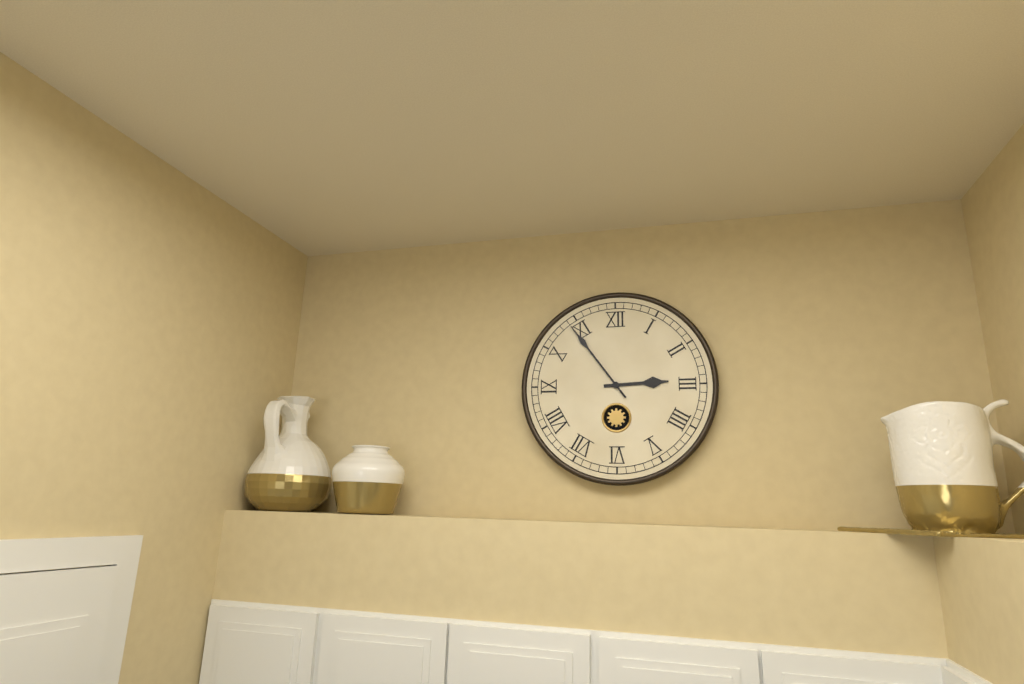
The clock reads 2.54
